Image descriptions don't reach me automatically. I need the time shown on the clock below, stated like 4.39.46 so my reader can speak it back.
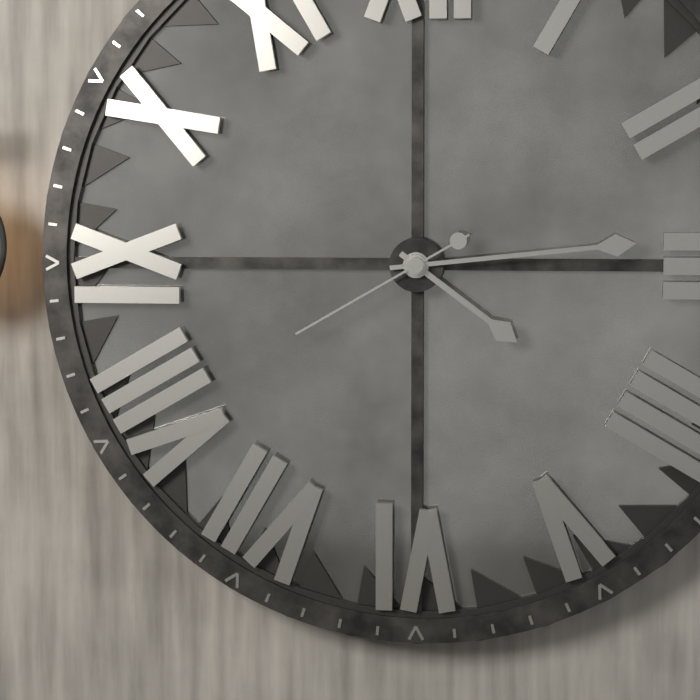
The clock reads 4.14.40
